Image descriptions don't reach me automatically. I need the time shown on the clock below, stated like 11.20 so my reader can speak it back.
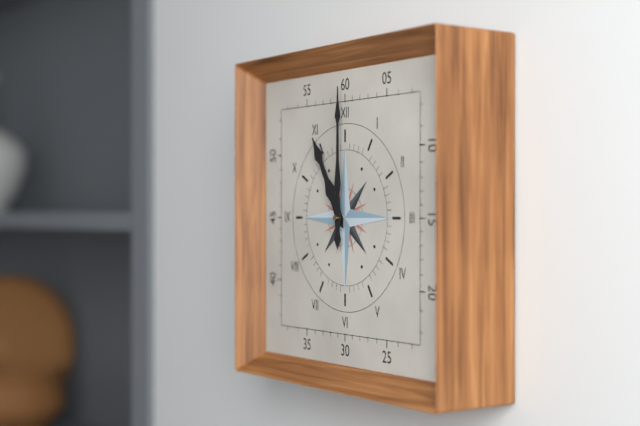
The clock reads 11.00
